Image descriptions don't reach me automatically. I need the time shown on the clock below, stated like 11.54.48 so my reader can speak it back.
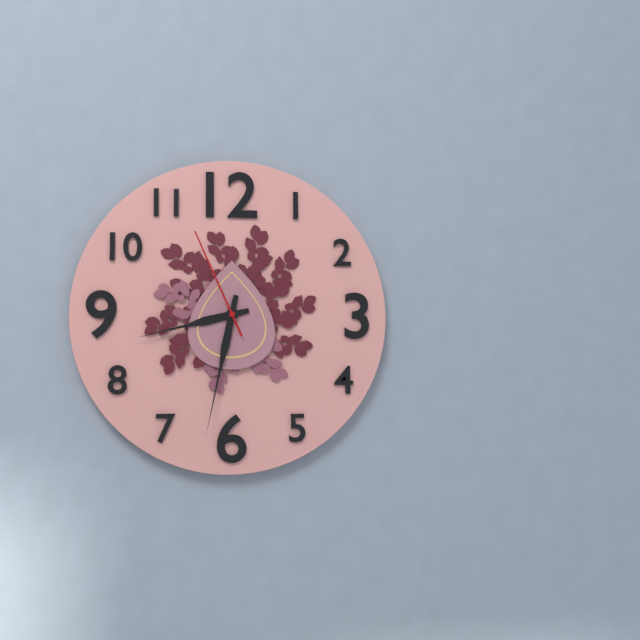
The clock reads 8.32.56
